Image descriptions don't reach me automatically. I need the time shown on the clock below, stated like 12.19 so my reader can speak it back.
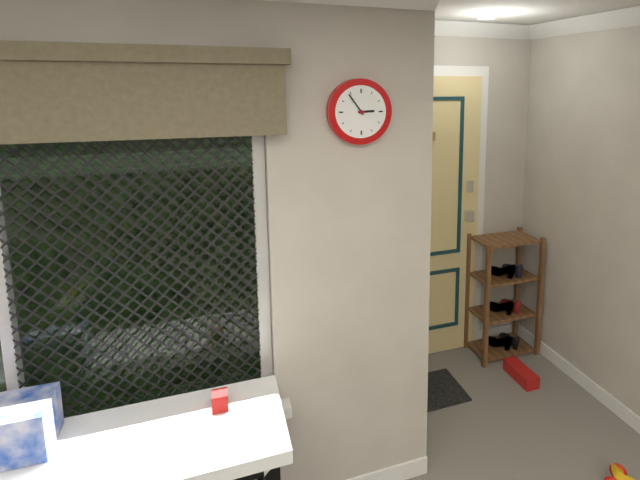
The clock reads 2.54
